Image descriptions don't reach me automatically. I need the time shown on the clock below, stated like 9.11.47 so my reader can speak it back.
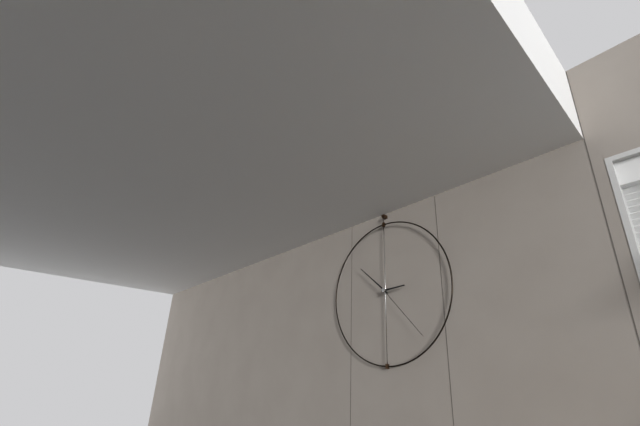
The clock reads 2.52.23
